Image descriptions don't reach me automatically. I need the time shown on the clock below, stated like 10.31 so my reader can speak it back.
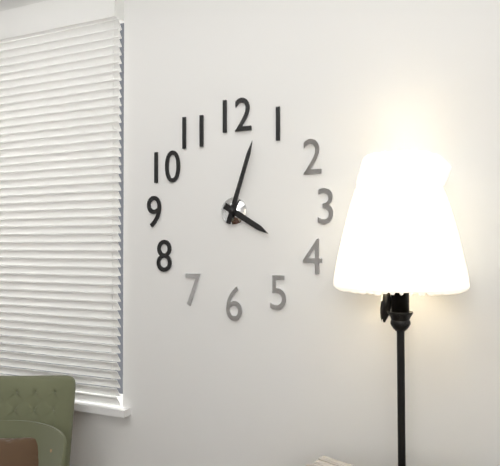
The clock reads 4.03
